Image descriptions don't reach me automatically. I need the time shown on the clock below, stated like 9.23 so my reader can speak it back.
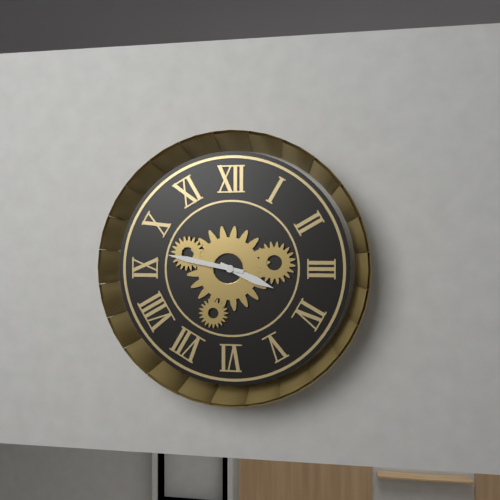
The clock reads 3.47
